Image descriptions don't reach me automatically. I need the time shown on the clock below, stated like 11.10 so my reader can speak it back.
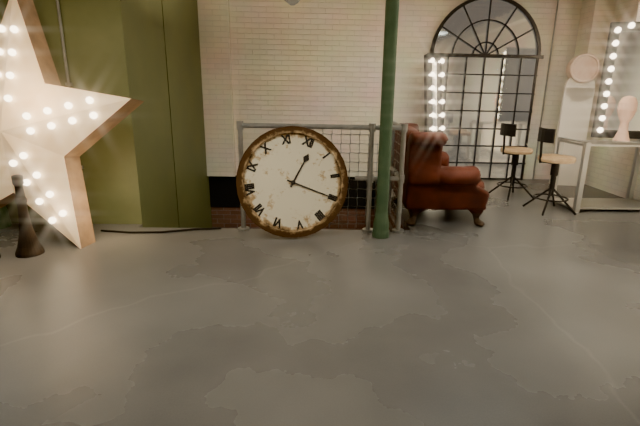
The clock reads 12.15
